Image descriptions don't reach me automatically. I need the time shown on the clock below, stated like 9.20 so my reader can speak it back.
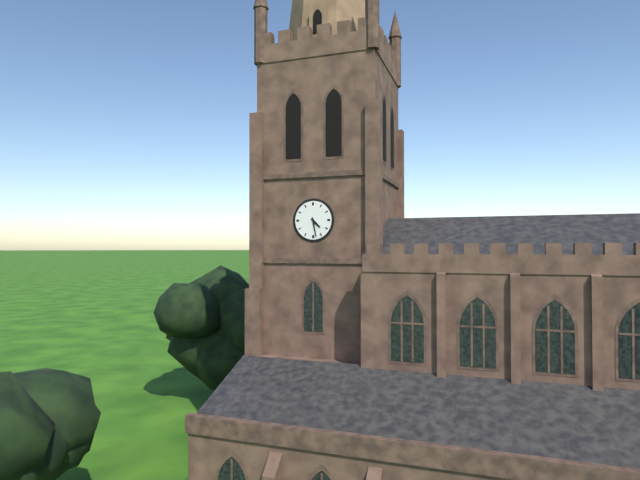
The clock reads 4.28
